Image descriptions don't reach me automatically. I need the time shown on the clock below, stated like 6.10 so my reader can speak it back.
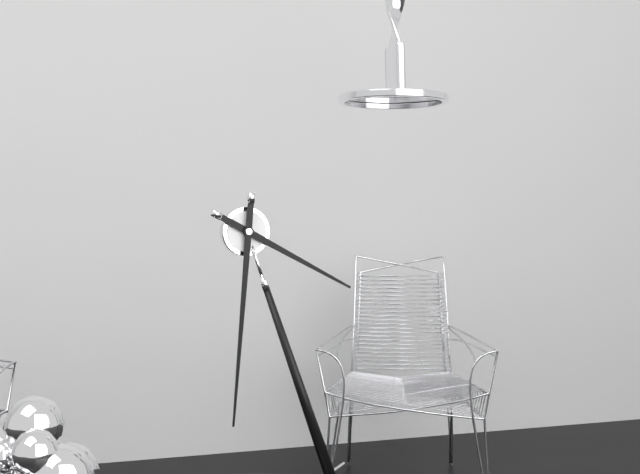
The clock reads 4.34
